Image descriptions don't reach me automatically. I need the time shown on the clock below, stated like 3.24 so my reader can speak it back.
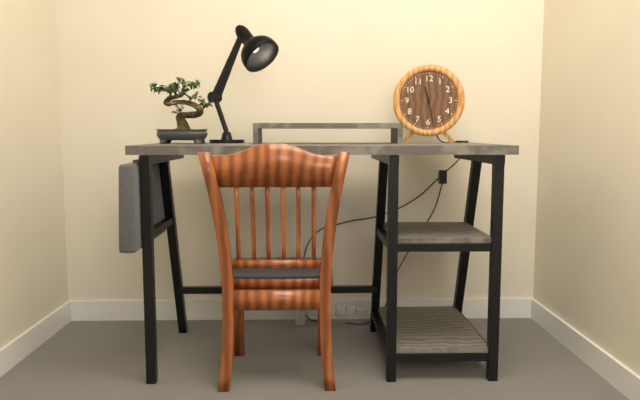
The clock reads 11.28
